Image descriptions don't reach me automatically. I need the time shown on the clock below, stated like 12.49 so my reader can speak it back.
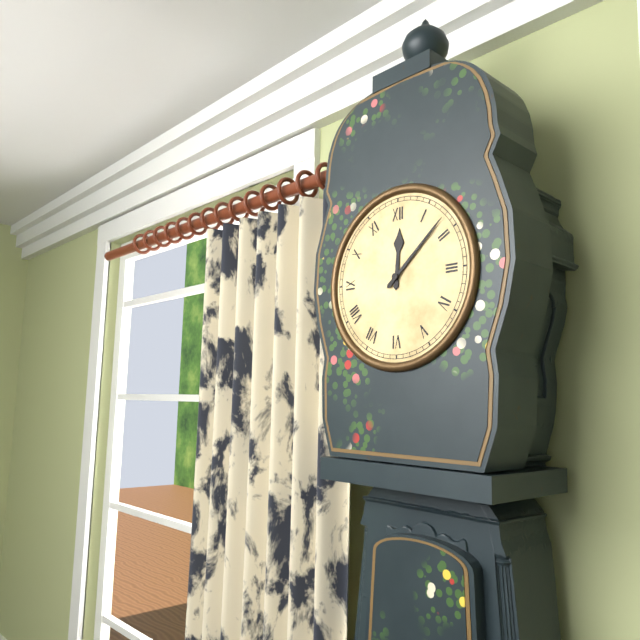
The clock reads 12.08
